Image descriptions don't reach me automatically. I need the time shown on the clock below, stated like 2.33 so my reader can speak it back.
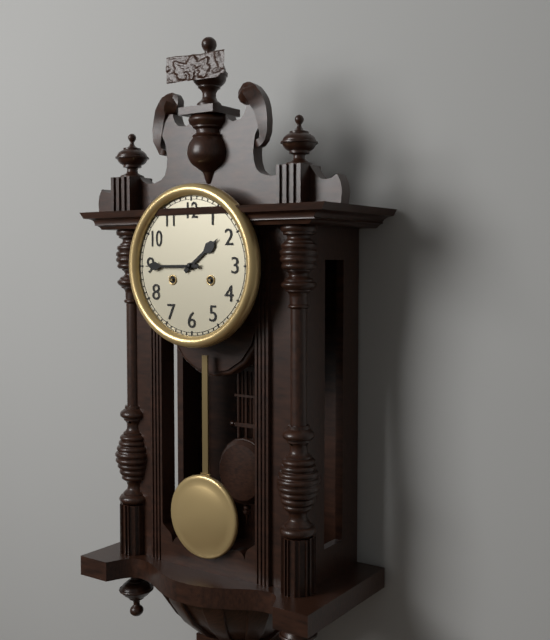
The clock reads 1.45
